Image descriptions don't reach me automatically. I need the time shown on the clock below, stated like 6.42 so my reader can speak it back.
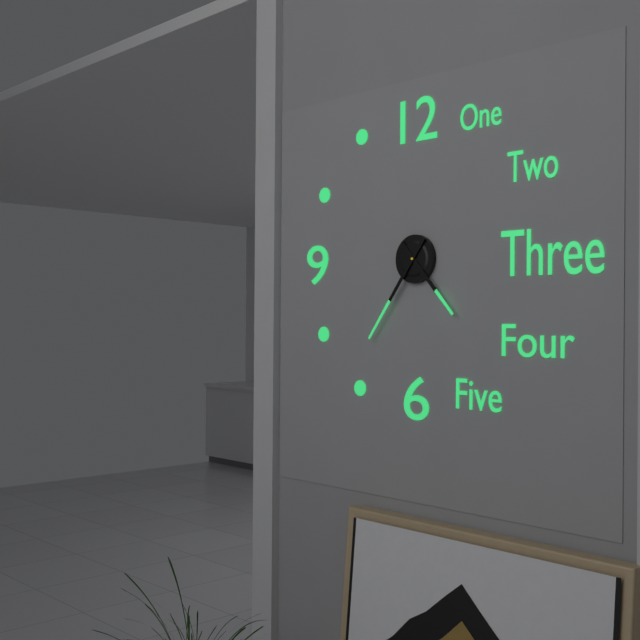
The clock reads 4.36
